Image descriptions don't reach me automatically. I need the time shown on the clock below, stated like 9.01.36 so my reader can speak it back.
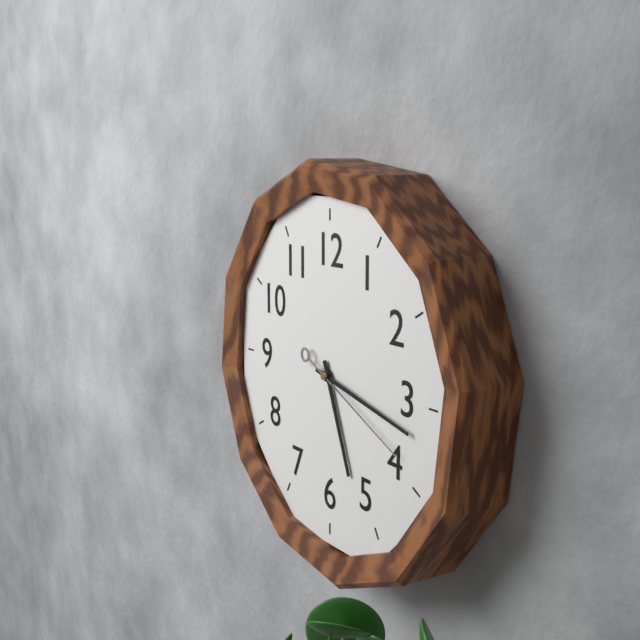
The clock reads 5.17.19
